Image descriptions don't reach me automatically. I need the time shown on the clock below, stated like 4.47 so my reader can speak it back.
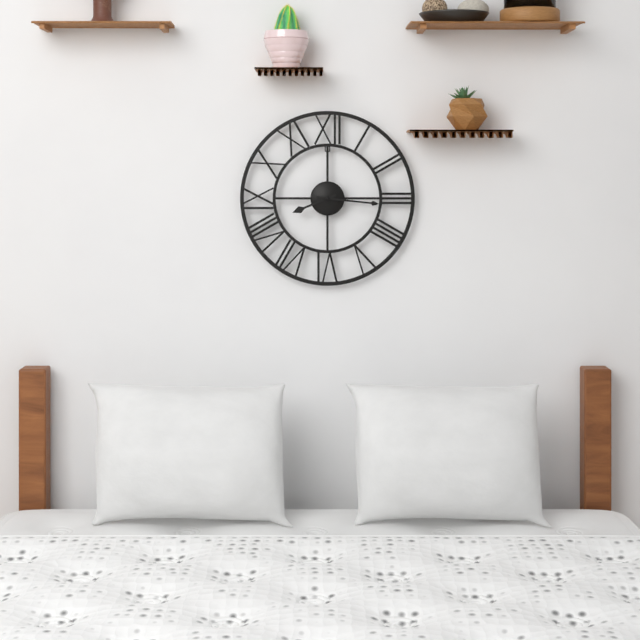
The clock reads 8.16
